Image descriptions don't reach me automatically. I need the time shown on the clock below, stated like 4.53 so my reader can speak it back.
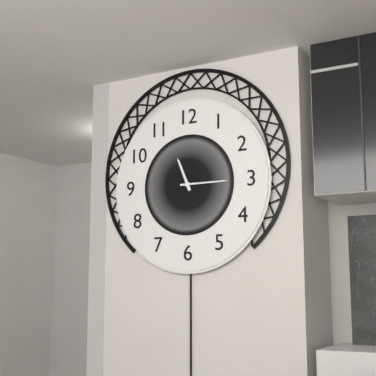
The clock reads 11.15
